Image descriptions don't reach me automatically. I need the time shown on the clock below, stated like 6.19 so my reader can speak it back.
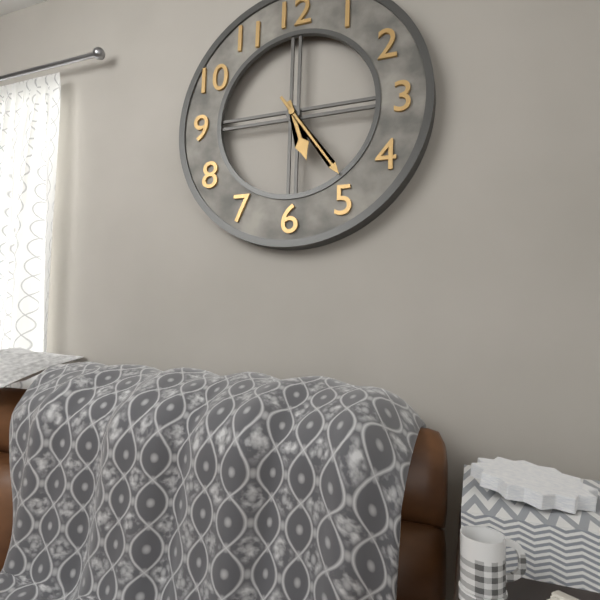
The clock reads 5.24
